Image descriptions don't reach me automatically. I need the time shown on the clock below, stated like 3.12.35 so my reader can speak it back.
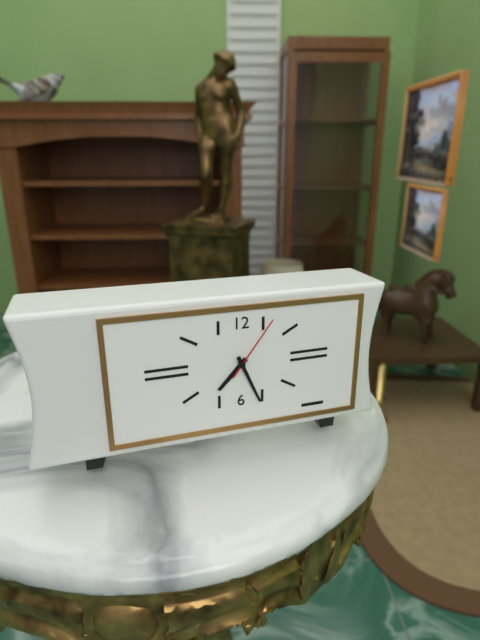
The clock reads 7.26.06
